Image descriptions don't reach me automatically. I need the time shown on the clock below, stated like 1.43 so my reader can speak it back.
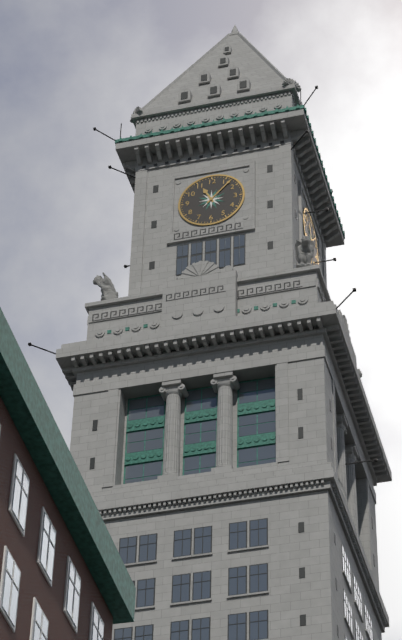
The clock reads 11.07
